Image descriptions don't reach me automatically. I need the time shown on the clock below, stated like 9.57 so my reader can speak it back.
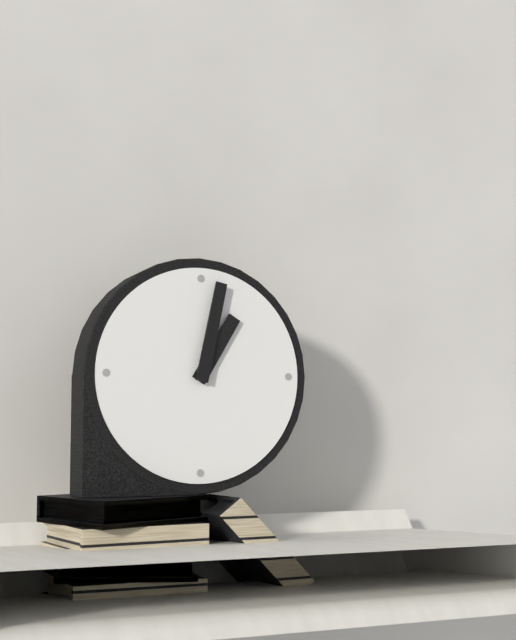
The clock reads 1.02
